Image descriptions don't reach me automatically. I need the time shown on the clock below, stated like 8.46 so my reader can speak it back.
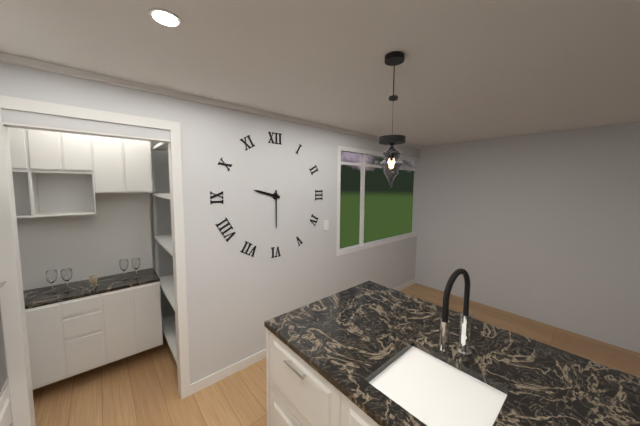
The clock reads 9.30
